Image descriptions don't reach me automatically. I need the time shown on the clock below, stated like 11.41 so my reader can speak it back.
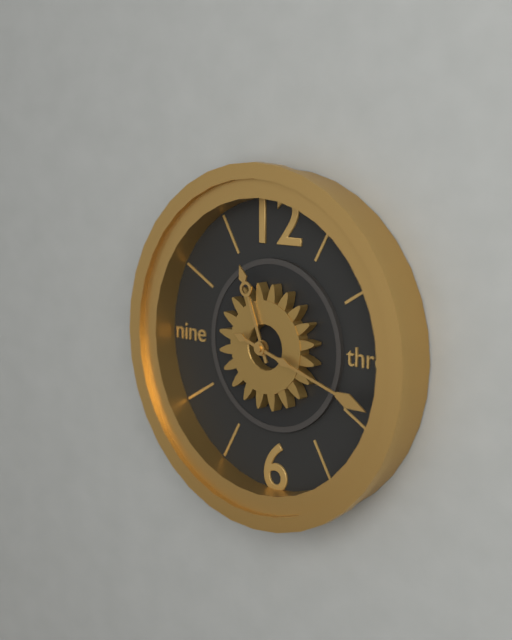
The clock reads 11.18
